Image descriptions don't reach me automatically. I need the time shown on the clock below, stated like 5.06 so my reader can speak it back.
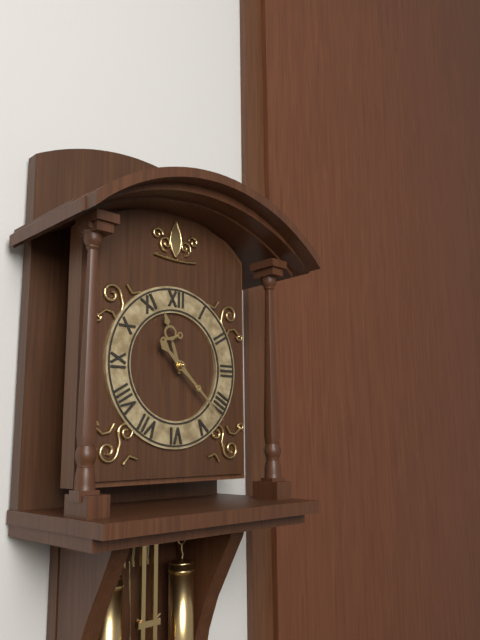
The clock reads 11.22
